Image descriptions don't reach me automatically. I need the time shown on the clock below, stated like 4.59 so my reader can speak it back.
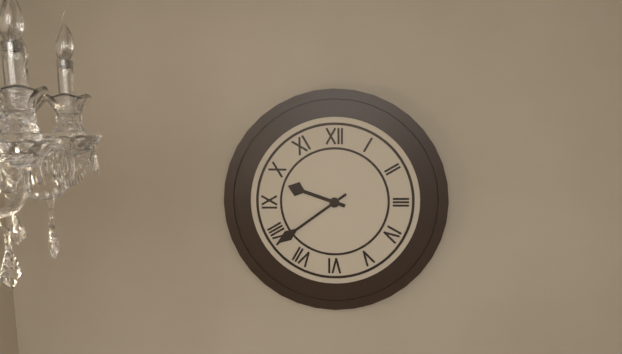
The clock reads 9.39
